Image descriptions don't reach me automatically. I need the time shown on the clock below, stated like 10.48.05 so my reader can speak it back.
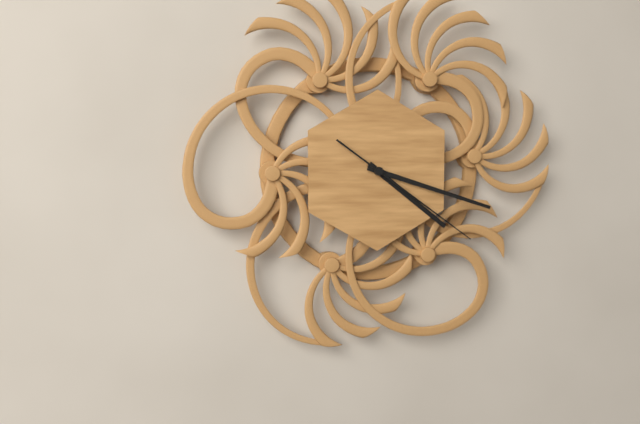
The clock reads 4.18.21
